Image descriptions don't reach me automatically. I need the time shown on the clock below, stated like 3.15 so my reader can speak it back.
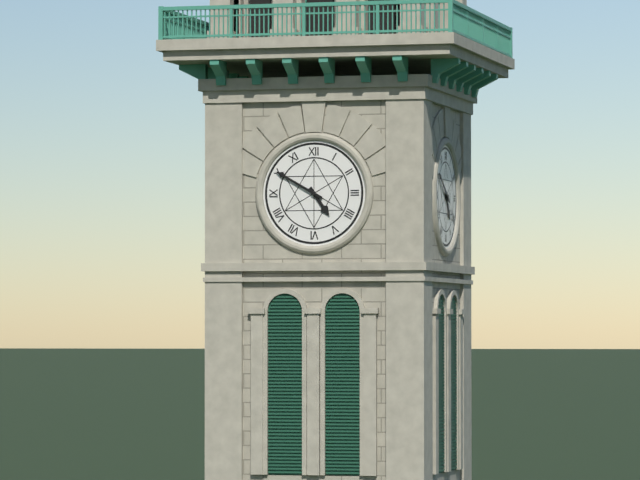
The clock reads 4.50
